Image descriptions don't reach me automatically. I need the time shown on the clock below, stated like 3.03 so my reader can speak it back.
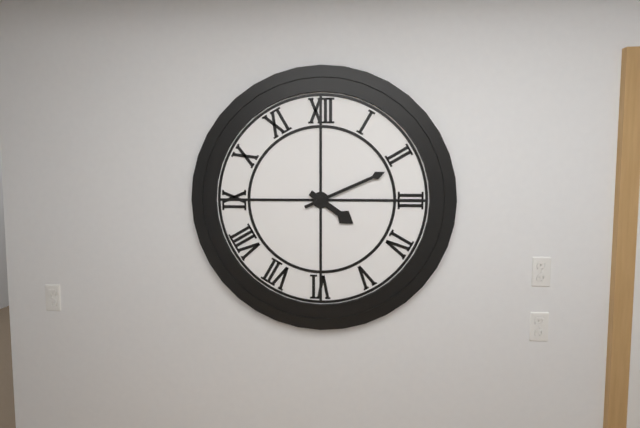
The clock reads 4.11
